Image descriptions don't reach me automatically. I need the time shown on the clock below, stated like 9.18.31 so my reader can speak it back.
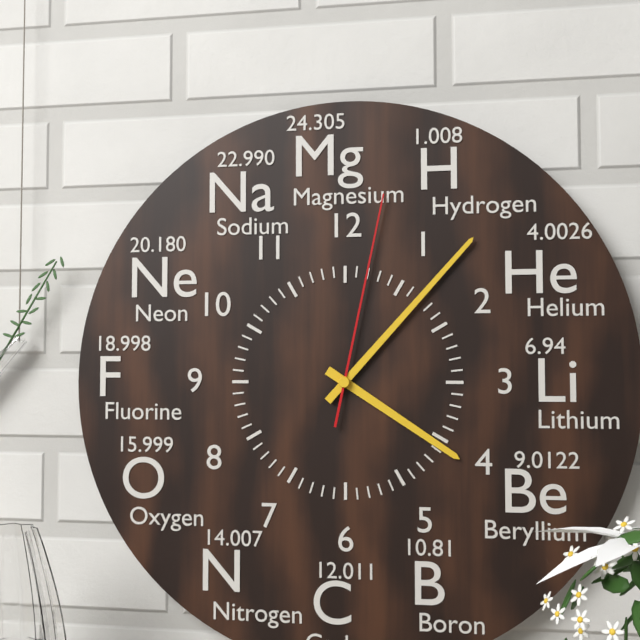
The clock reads 4.07.02
